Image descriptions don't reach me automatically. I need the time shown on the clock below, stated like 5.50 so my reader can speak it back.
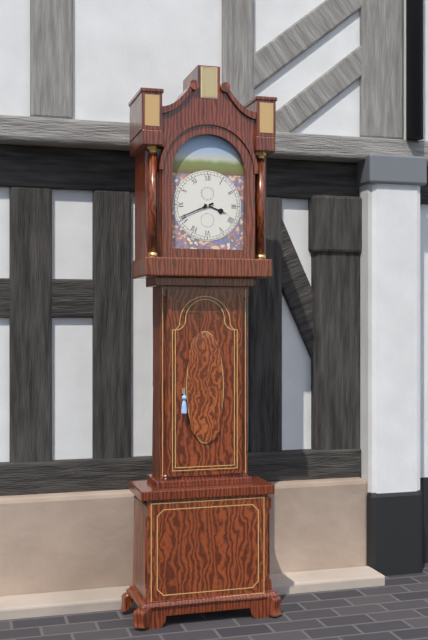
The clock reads 3.41
